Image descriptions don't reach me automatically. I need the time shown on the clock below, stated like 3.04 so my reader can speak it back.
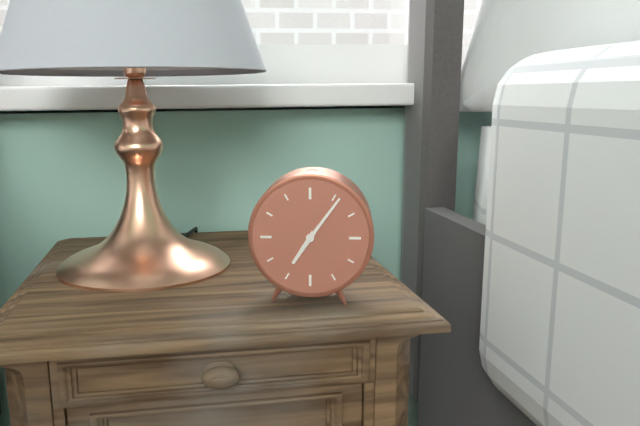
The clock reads 7.06
